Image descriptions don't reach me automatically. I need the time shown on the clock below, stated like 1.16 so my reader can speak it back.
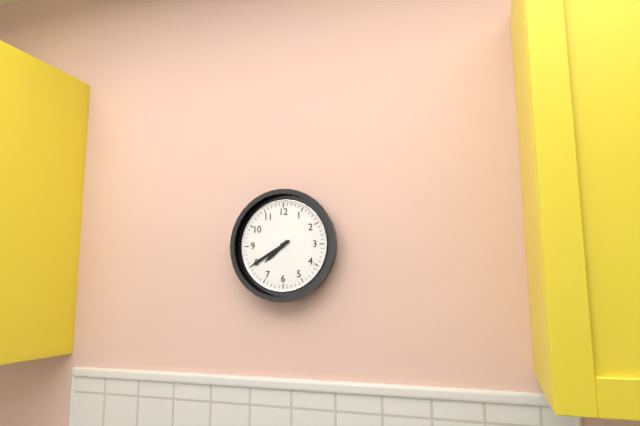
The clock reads 7.40
